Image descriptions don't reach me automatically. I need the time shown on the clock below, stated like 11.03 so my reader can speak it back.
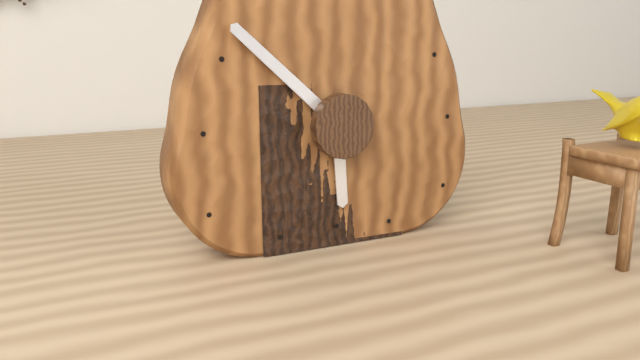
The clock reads 5.52
